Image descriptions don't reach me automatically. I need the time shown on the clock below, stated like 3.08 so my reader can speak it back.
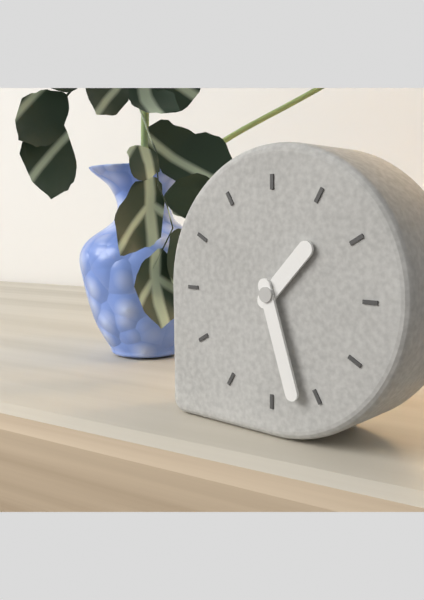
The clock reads 1.27
